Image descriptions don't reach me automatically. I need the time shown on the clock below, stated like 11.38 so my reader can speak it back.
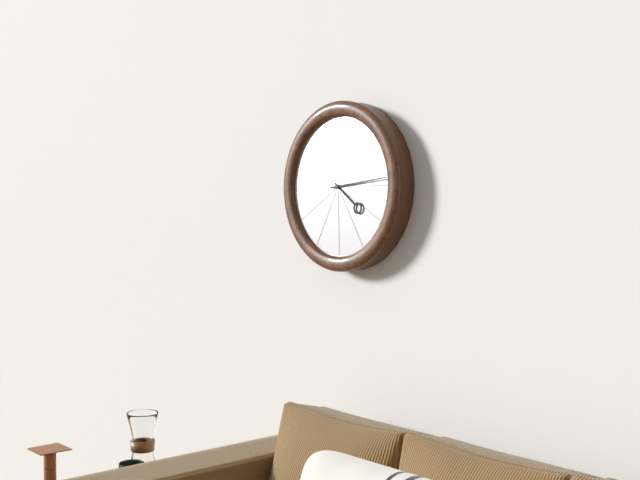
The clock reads 4.14
